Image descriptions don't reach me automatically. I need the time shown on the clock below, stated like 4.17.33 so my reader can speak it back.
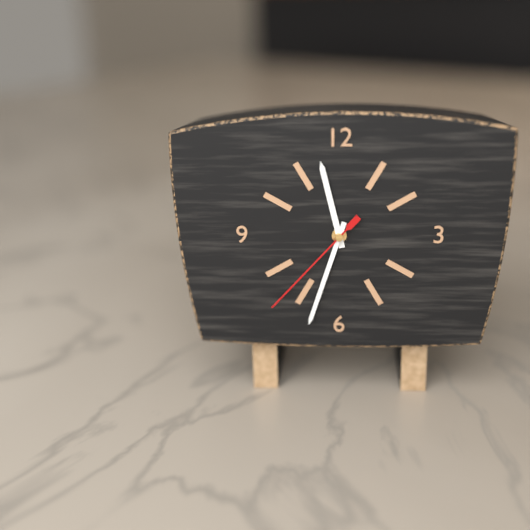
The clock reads 11.33.37
